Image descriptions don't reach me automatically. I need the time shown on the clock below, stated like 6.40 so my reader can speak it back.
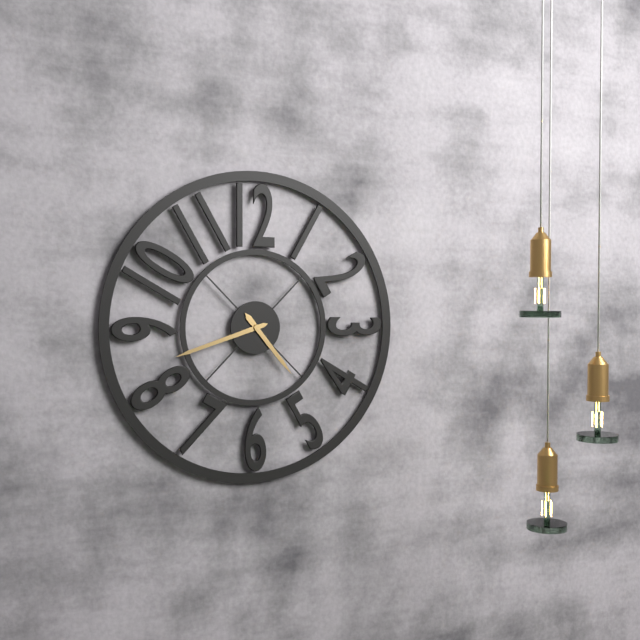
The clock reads 4.42
